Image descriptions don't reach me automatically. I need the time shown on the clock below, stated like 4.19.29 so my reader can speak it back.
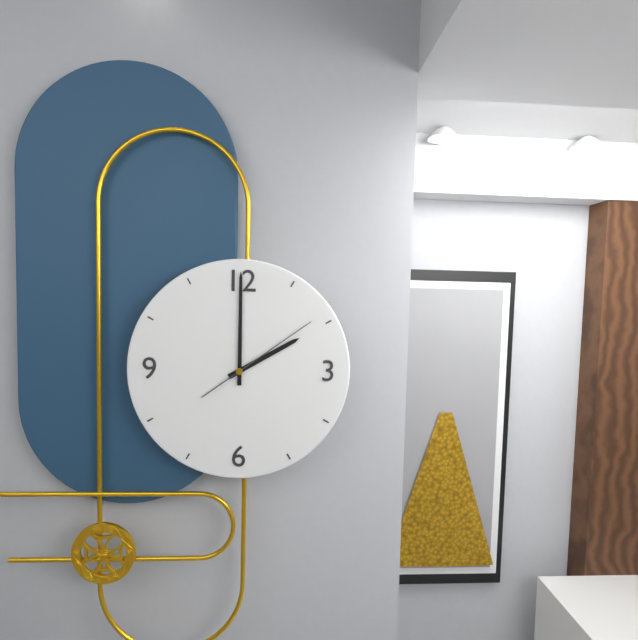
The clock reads 2.00.09
